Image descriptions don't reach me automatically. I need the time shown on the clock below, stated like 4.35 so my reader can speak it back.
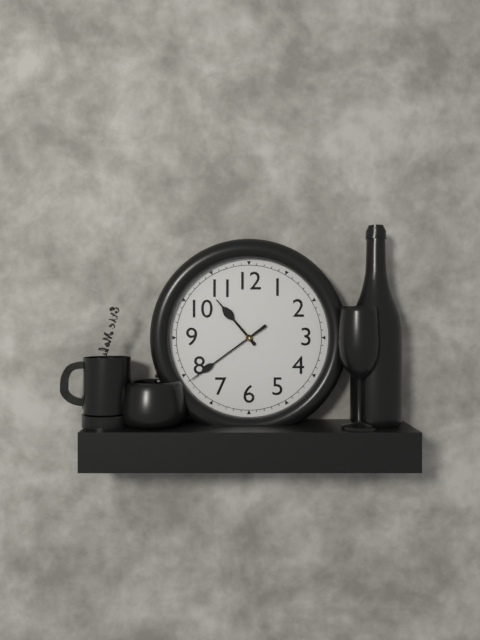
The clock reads 10.39
